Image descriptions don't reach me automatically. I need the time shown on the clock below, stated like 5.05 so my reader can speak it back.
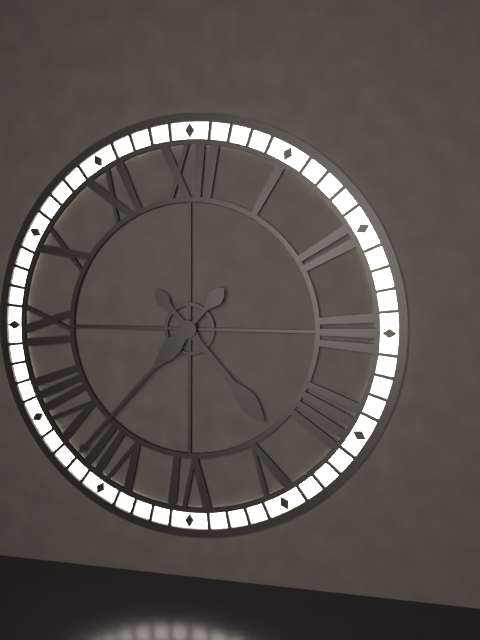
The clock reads 4.37
